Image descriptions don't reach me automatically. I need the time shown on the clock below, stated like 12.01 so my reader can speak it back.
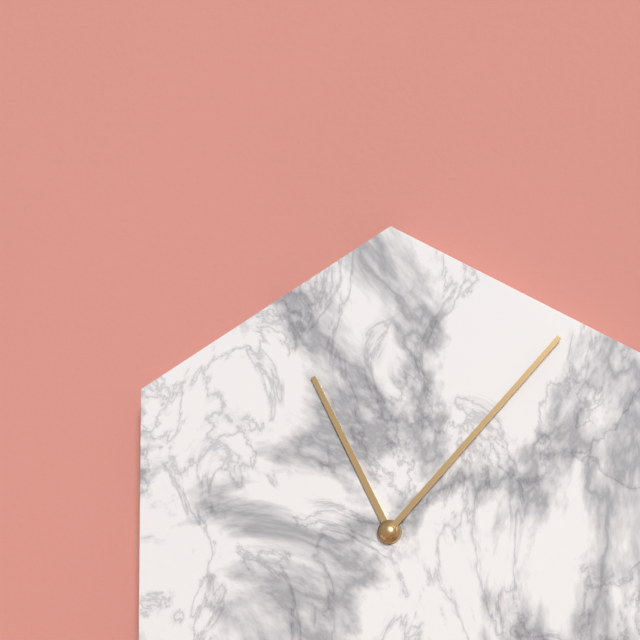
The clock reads 11.07
